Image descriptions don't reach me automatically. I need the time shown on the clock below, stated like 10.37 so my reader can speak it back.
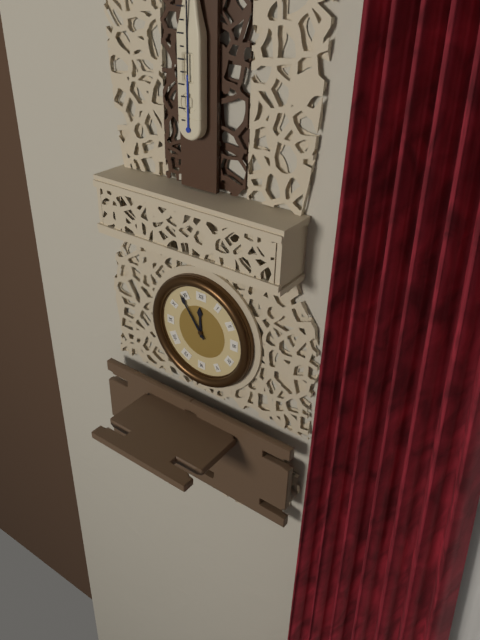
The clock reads 11.54
